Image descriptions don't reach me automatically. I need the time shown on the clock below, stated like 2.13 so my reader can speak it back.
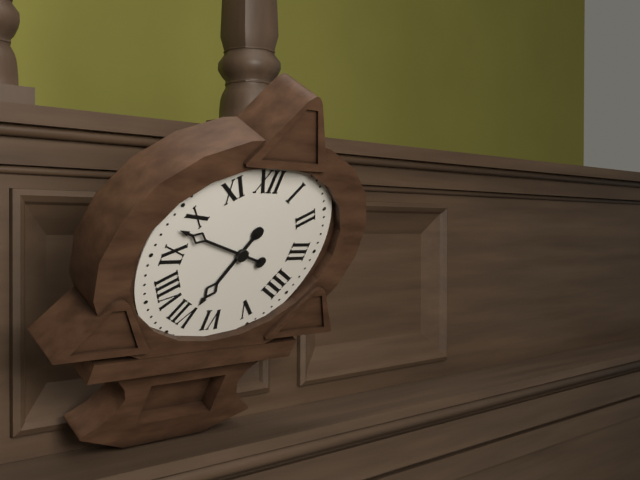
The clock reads 6.48
